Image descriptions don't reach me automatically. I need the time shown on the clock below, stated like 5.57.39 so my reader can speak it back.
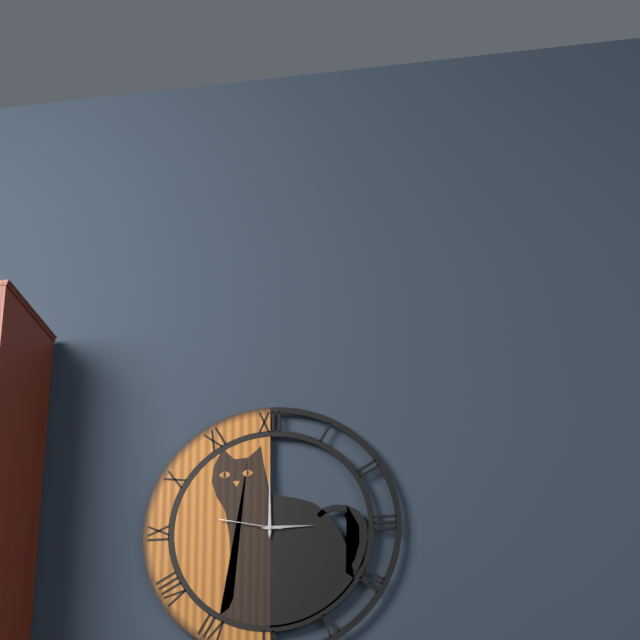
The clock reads 3.00.47
